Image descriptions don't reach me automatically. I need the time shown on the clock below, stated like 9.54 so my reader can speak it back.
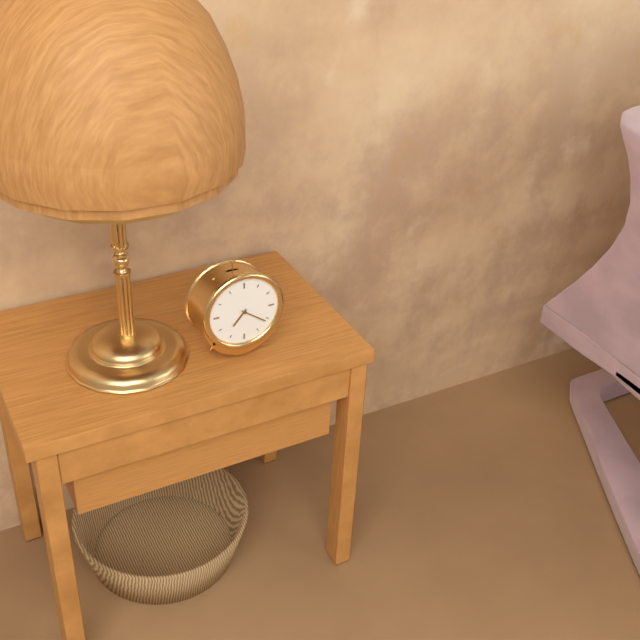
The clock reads 7.21
